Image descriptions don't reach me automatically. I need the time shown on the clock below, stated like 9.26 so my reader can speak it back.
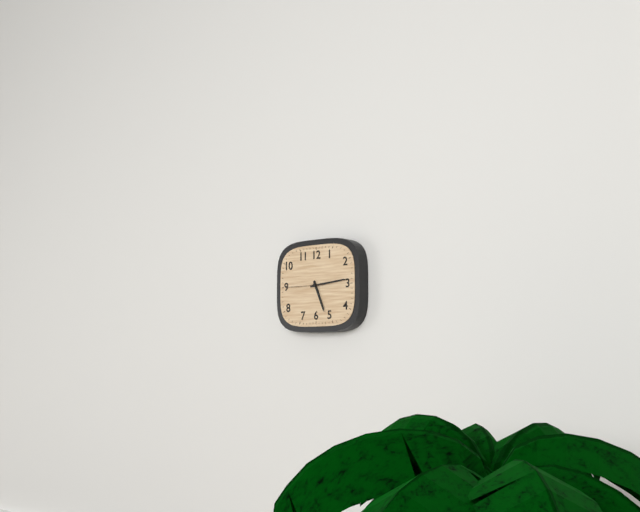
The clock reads 5.14
